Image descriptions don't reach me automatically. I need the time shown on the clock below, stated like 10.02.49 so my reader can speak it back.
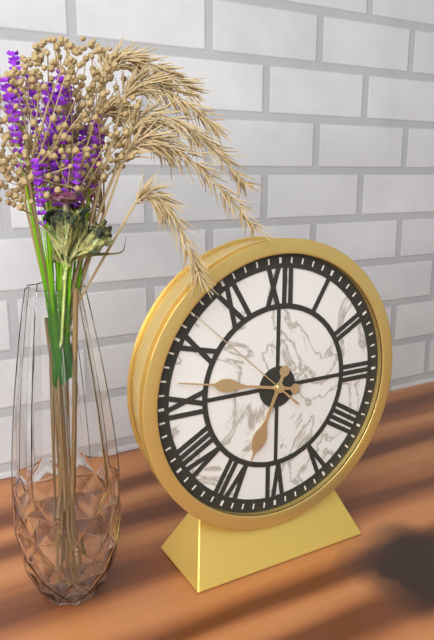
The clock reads 6.47.52
